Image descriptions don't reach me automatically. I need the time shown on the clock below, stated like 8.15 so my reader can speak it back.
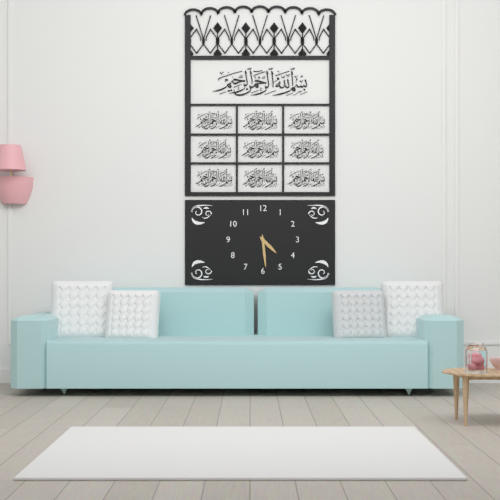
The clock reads 4.29
